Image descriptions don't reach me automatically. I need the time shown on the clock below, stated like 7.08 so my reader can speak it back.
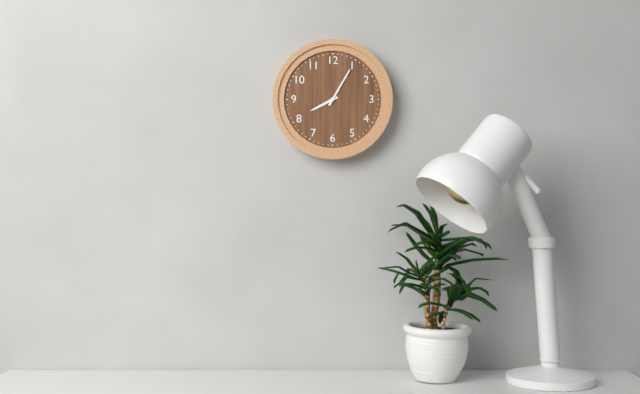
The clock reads 8.05
